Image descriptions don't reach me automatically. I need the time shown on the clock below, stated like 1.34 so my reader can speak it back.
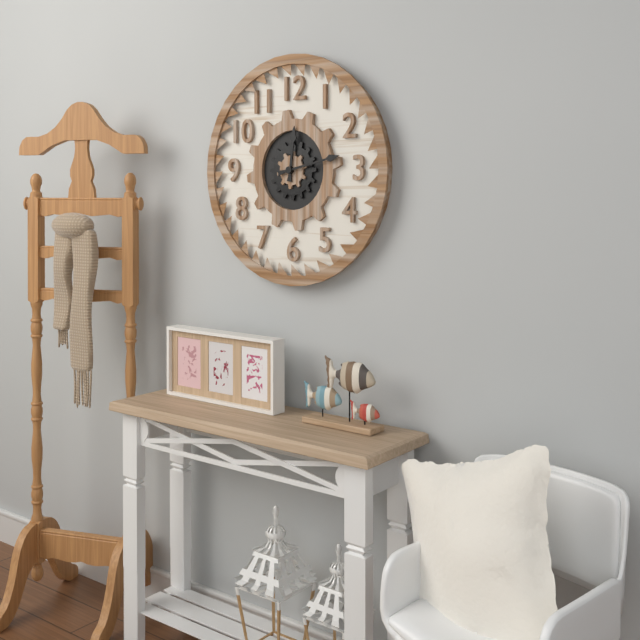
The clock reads 12.13
